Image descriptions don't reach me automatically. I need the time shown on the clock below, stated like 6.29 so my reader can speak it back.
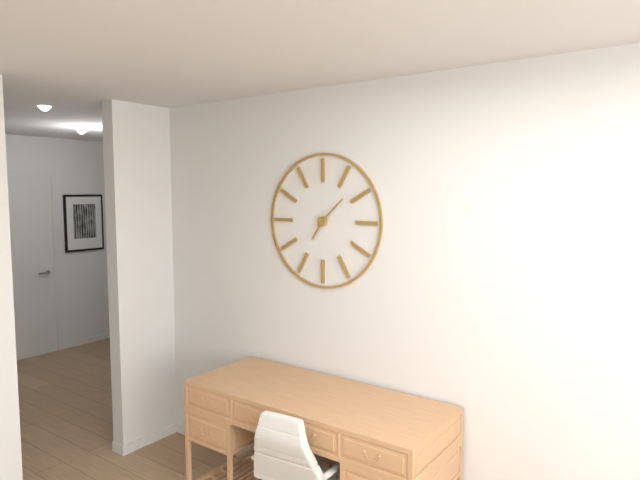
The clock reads 7.08
